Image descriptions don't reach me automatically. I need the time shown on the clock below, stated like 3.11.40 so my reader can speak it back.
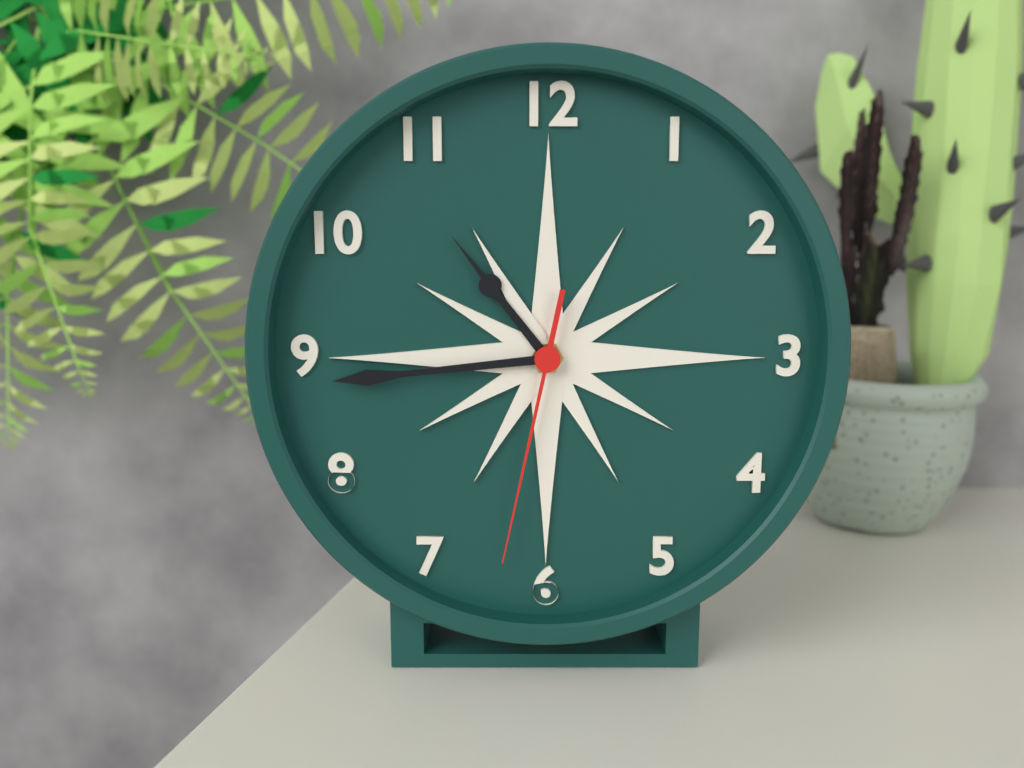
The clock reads 10.44.32
